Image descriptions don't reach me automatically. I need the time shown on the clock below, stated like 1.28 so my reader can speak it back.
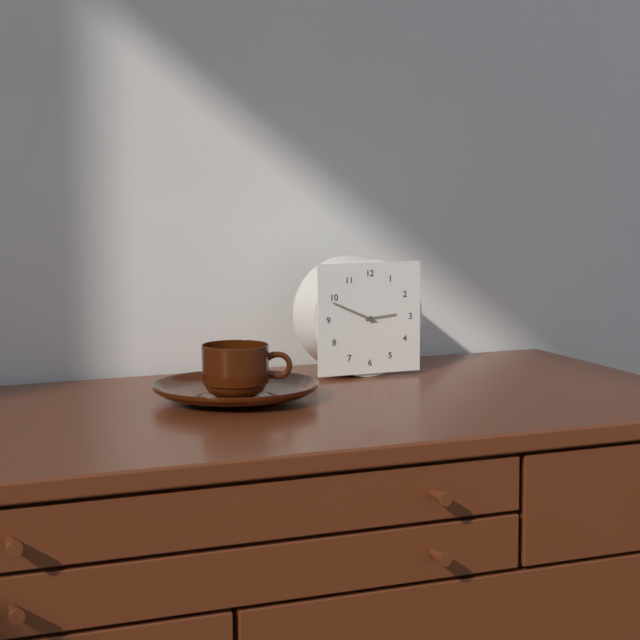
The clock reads 2.49
